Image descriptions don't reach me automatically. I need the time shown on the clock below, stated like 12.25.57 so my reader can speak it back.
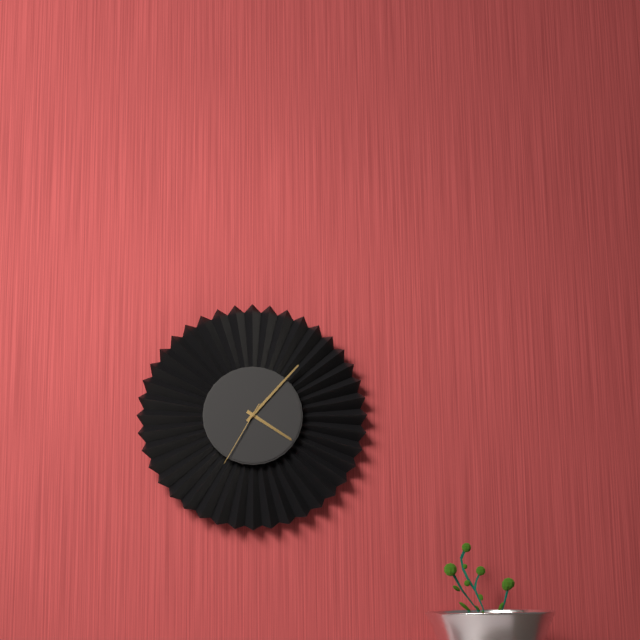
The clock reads 4.07.35
